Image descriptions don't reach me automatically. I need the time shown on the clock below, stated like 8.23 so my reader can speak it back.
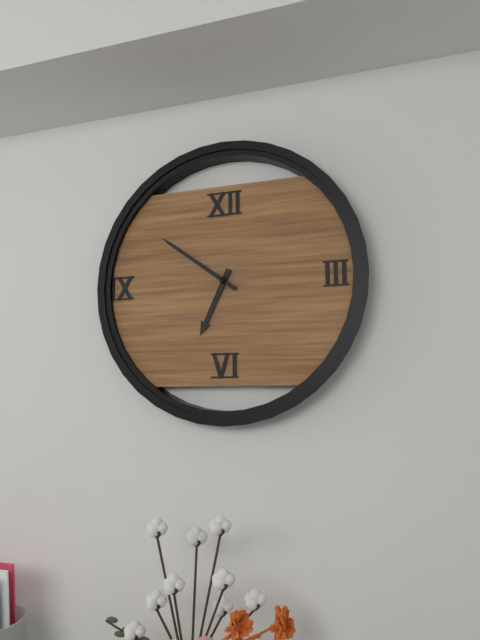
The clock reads 6.51
